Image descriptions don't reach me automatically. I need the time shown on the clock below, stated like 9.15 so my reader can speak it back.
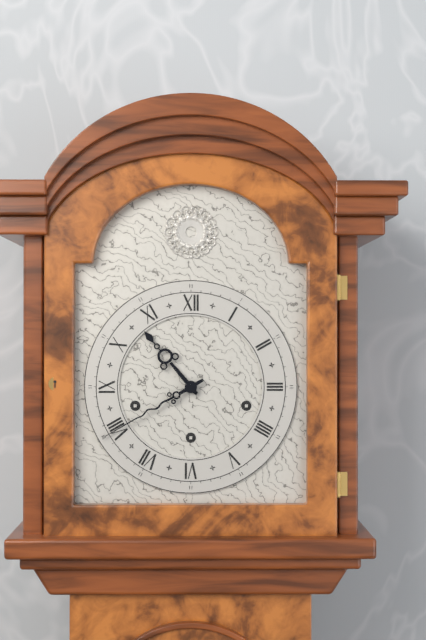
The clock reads 10.40
